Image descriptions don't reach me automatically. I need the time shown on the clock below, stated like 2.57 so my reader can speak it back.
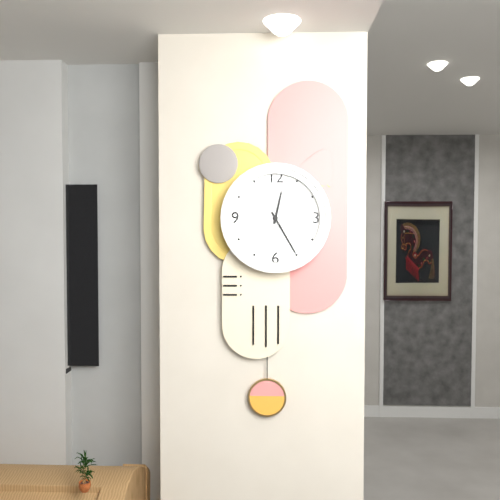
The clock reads 12.25
